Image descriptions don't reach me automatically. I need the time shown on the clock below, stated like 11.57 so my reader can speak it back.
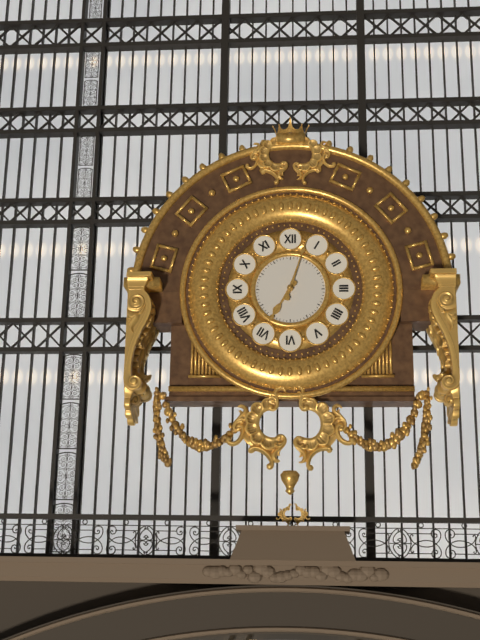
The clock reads 7.03
